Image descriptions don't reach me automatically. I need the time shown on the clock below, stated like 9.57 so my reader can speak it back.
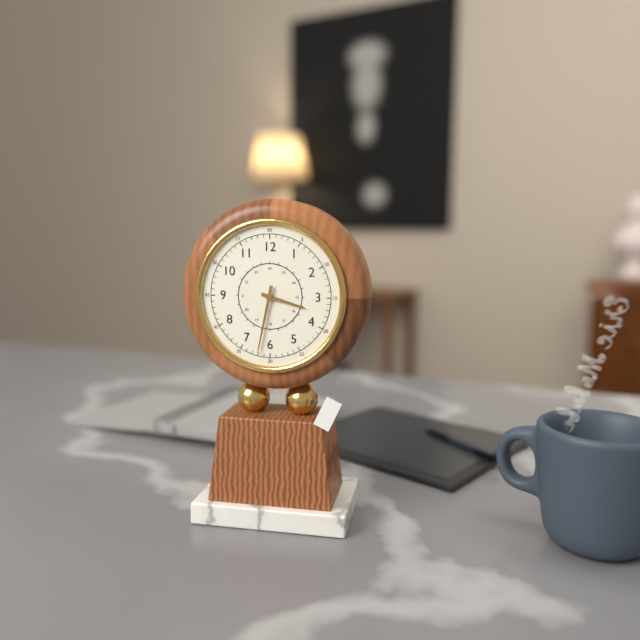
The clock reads 3.32
